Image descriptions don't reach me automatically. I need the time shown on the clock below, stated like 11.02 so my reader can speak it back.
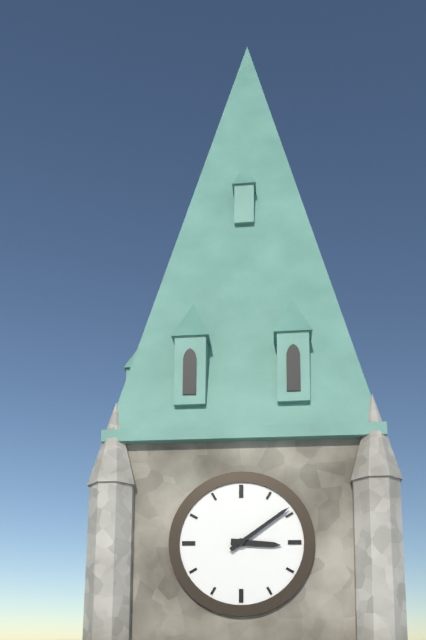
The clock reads 3.09
